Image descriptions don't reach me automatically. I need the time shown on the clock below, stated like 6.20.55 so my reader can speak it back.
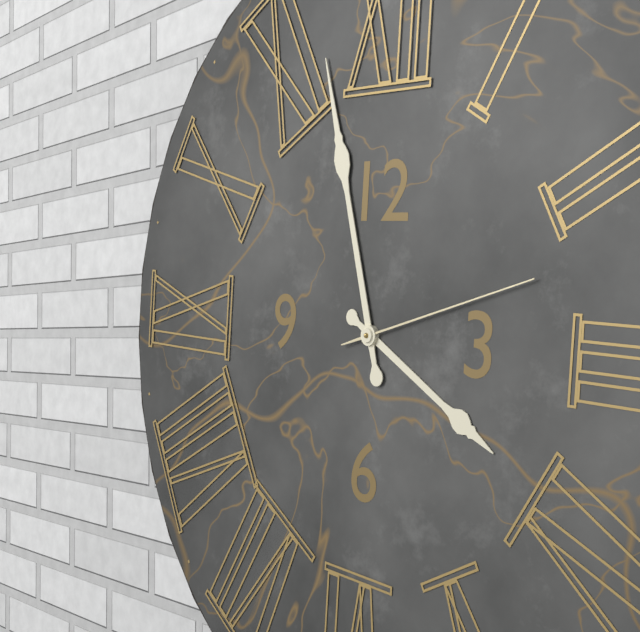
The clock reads 3.57.12
